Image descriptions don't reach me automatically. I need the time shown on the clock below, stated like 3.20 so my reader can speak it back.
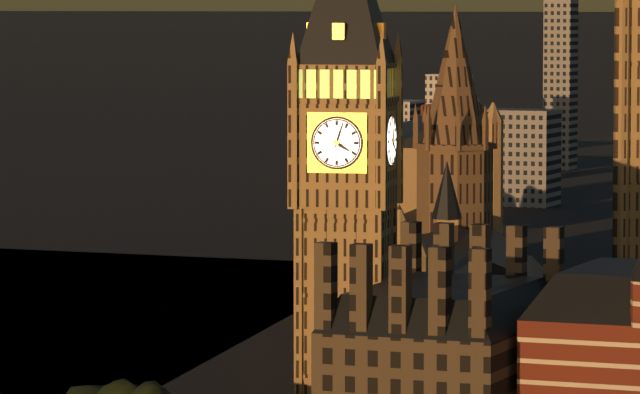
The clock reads 4.03
